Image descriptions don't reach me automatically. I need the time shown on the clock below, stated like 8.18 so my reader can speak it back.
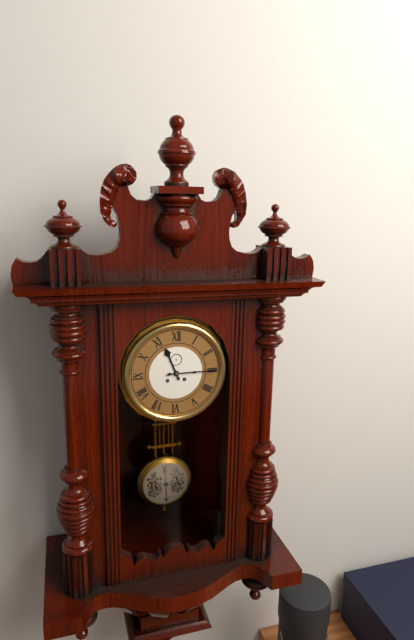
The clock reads 11.15
